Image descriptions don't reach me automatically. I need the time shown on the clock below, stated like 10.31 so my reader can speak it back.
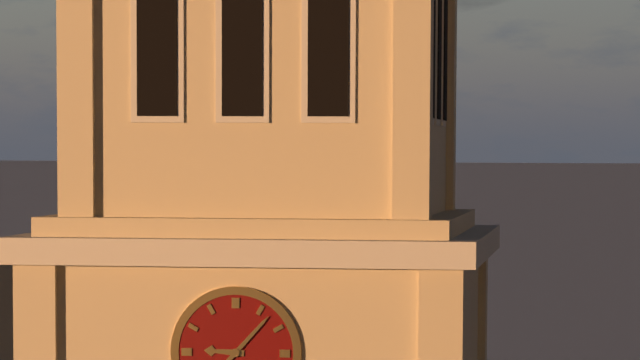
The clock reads 9.07
